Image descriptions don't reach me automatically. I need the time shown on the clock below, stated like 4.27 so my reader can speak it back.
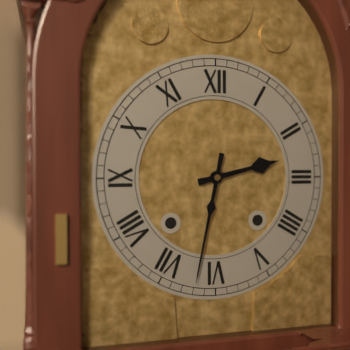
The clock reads 2.32
